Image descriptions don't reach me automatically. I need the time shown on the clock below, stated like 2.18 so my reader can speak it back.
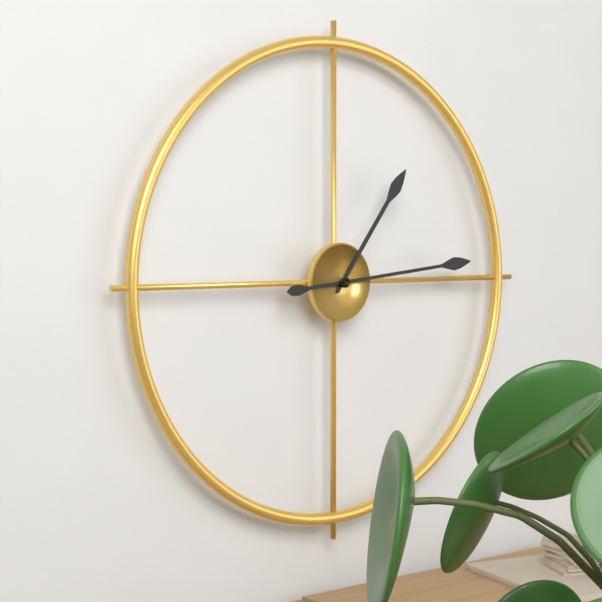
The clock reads 1.14
